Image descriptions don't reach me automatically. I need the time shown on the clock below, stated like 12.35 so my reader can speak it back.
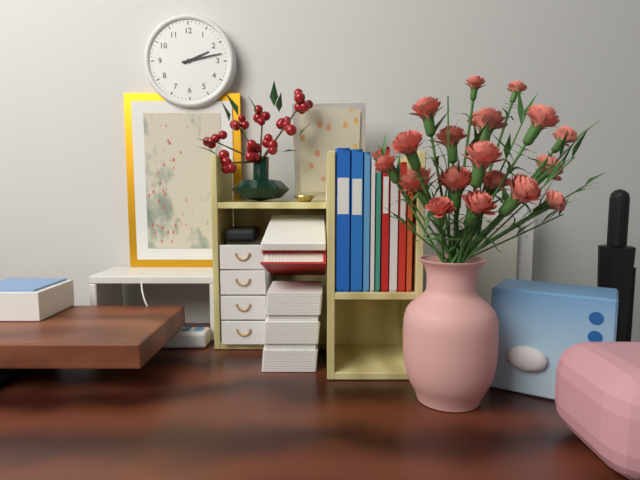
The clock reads 2.13
